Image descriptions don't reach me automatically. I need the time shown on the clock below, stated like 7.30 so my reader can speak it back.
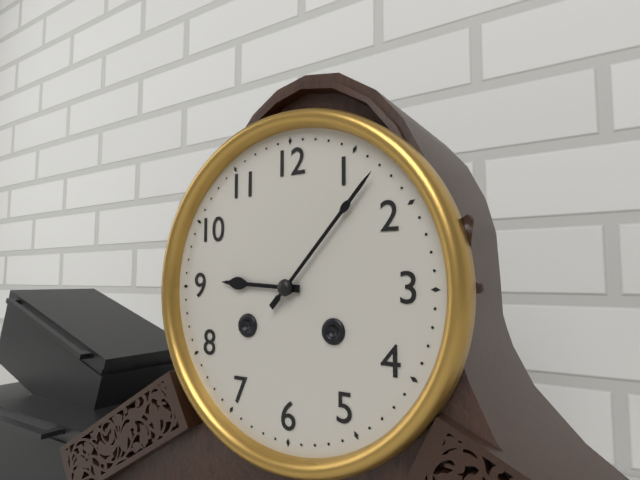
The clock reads 9.07
